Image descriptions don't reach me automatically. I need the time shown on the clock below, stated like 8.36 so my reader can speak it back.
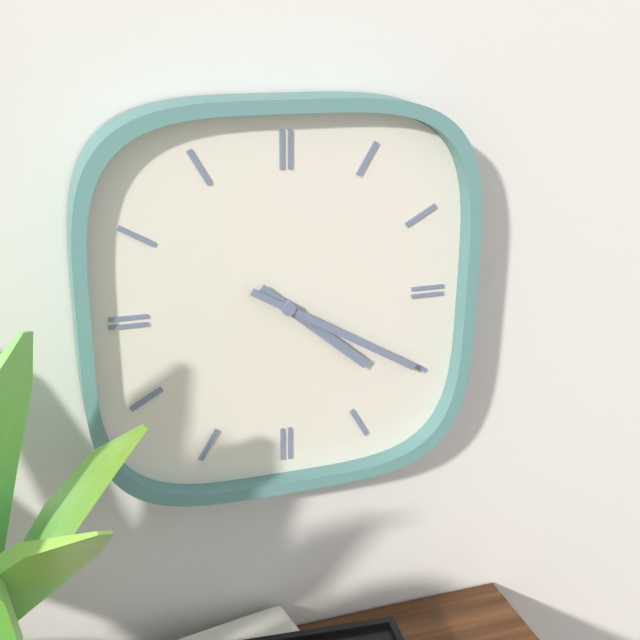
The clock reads 4.20
